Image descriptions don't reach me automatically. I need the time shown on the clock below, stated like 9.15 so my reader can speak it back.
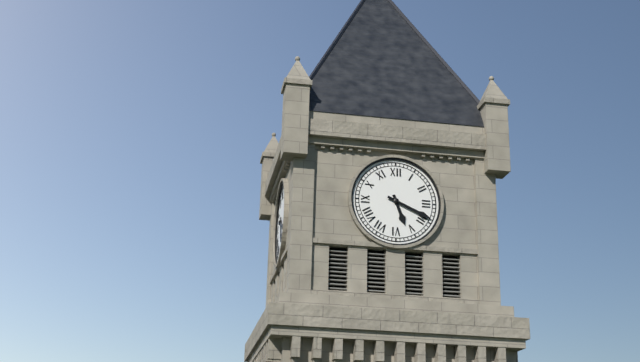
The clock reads 5.19
